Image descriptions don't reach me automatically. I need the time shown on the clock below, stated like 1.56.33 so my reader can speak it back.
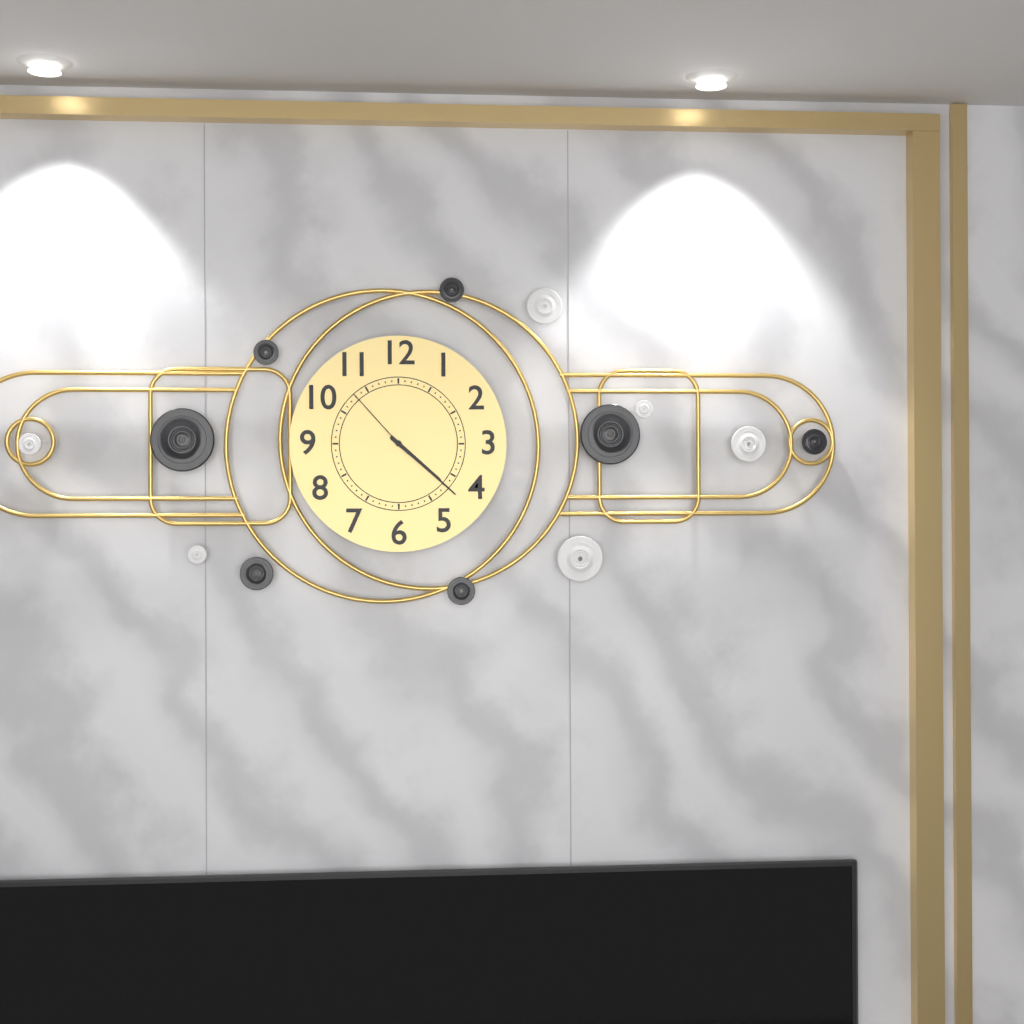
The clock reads 4.22.53
